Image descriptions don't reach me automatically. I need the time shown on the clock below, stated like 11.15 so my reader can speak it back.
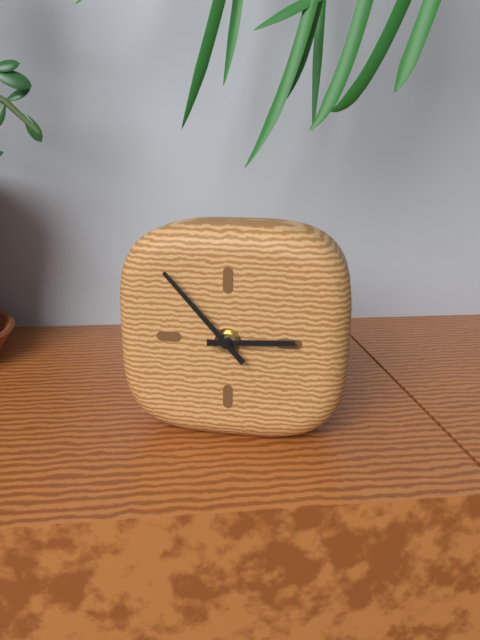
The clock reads 2.53
